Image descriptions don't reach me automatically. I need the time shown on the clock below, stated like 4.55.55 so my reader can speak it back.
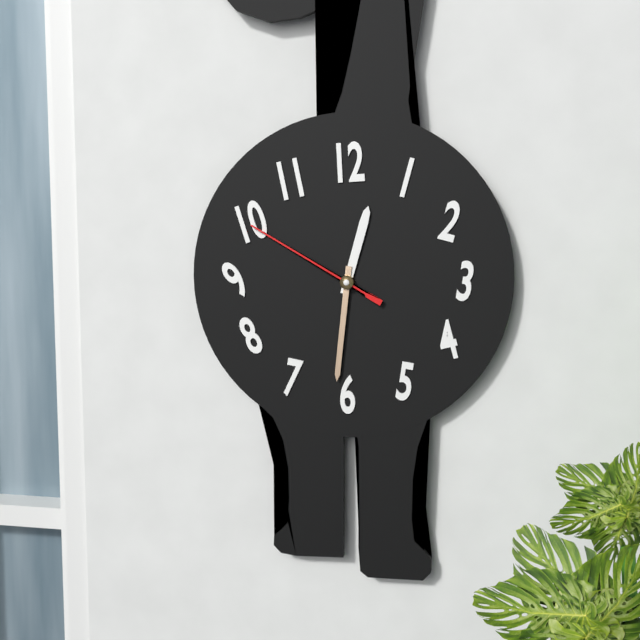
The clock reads 12.31.50
